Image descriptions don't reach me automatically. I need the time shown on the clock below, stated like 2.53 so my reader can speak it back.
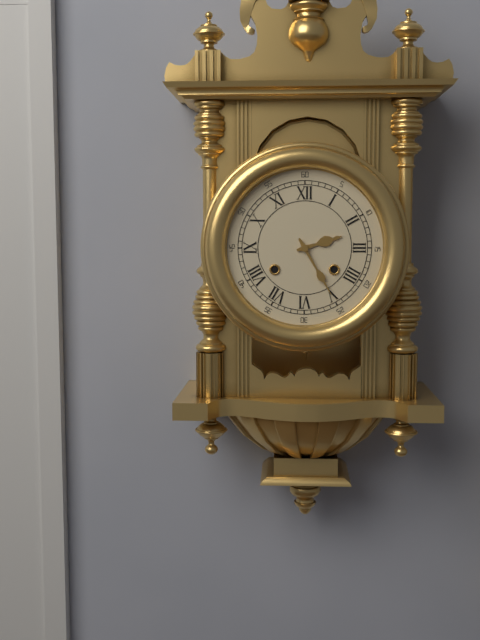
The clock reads 2.25
